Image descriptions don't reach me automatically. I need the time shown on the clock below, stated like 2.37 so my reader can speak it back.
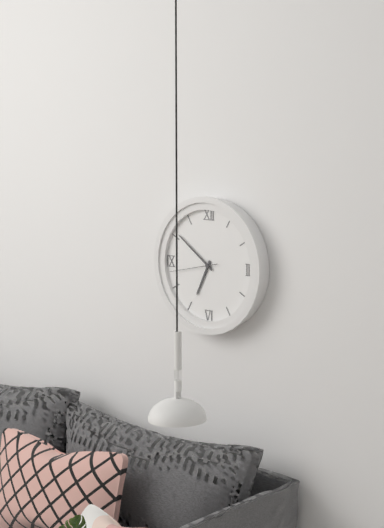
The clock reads 6.51
